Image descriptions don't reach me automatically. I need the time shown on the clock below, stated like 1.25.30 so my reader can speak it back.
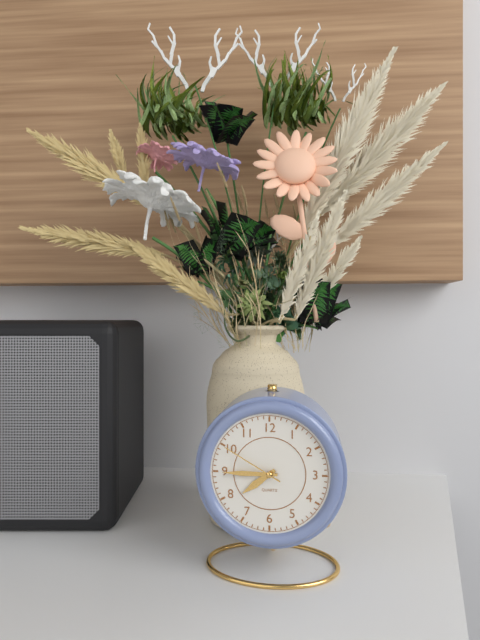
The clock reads 7.45.50
